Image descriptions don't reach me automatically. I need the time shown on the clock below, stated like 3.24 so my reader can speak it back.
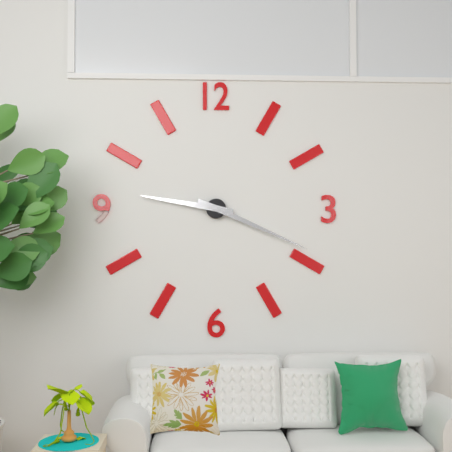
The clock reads 9.19
